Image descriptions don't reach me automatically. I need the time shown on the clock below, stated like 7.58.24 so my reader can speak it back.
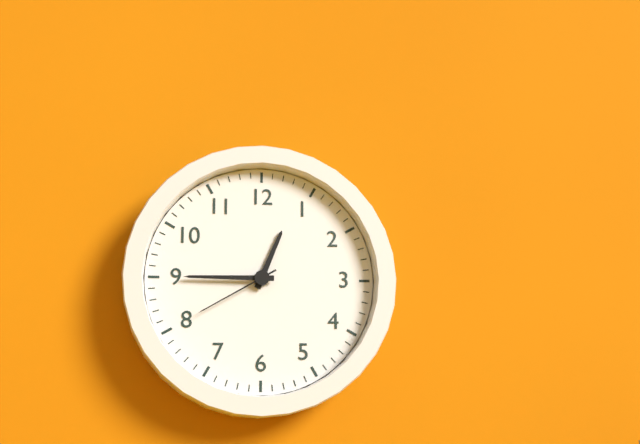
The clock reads 12.45.40
